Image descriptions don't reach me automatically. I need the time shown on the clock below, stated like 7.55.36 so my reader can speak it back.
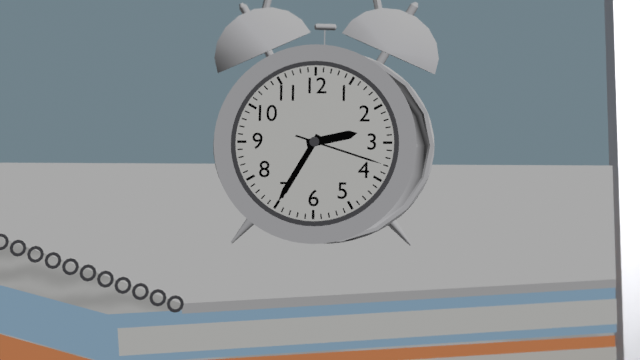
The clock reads 2.35.18
